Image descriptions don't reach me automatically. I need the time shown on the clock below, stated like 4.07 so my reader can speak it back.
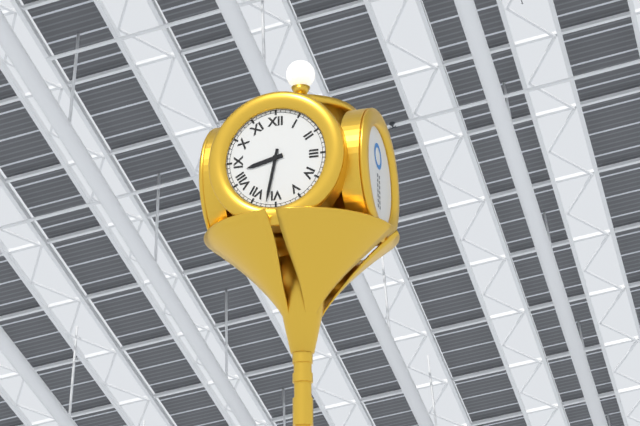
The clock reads 8.32
